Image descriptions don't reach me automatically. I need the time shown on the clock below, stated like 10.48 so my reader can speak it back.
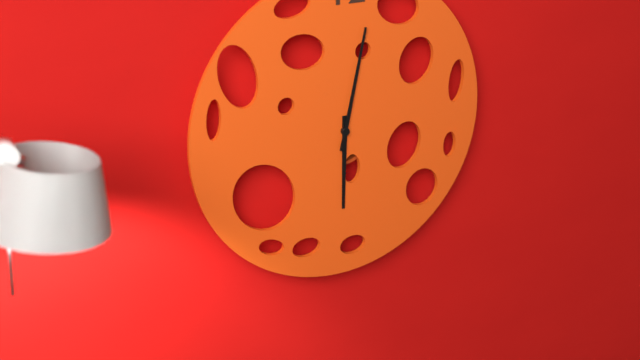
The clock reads 6.02
